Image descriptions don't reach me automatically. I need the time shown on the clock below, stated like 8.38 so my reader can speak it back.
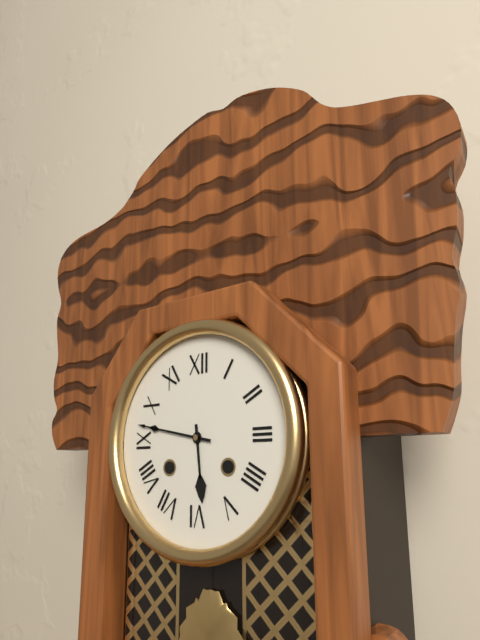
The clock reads 5.47
